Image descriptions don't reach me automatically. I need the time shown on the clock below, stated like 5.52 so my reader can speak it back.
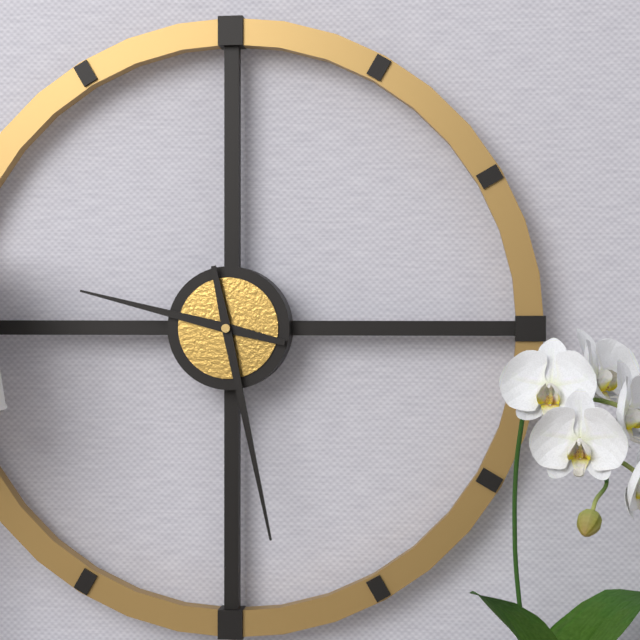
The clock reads 9.28
